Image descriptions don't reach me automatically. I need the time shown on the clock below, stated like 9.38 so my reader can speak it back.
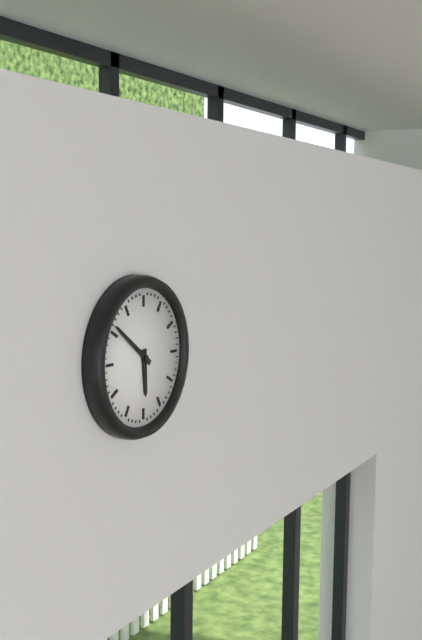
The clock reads 5.51
